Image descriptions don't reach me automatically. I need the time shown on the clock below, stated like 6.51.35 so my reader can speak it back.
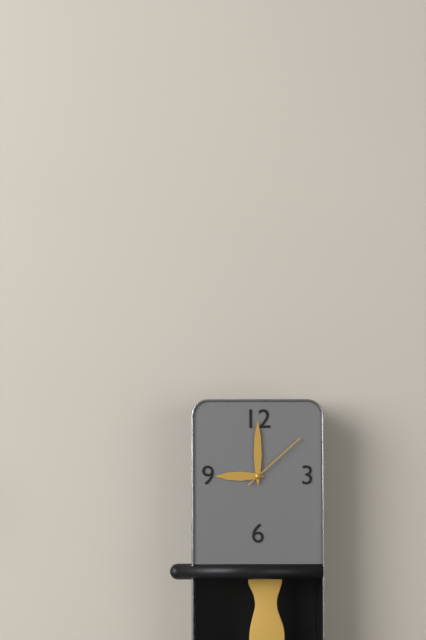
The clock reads 9.00.08
